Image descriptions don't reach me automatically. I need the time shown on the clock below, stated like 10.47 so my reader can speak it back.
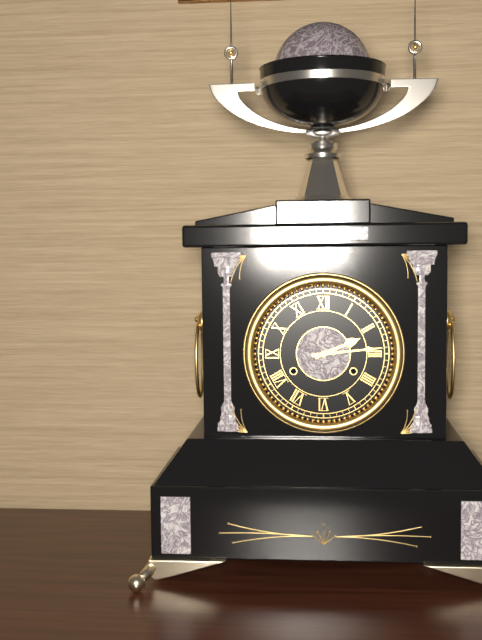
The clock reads 2.14
